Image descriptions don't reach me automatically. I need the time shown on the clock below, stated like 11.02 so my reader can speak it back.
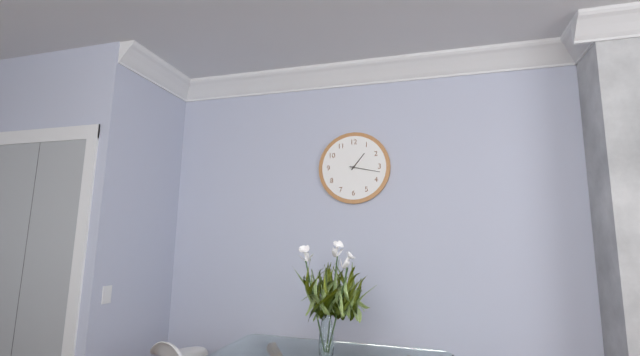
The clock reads 1.17
